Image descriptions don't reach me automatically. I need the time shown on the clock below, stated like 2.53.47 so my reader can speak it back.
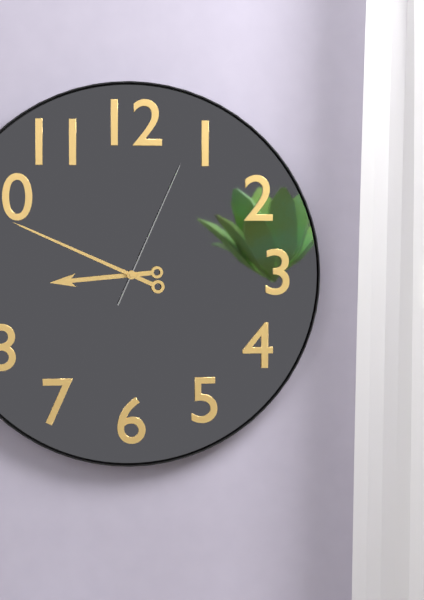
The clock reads 8.49.04
